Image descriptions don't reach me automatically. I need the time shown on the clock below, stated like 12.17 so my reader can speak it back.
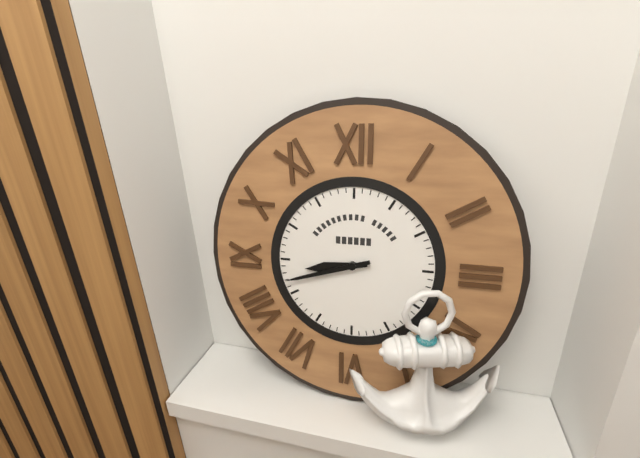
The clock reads 8.42
